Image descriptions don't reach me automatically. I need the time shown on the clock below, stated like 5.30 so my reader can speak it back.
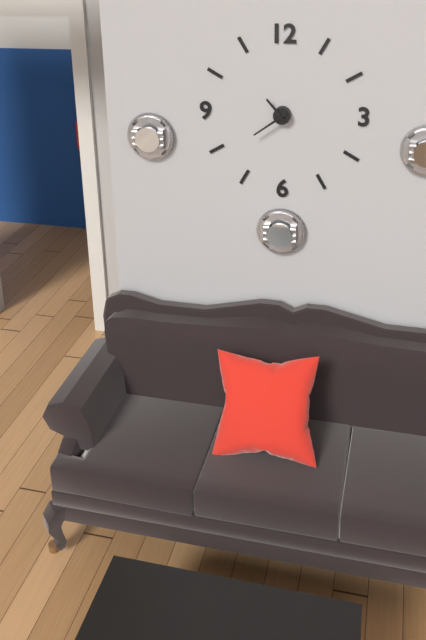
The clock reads 10.39
